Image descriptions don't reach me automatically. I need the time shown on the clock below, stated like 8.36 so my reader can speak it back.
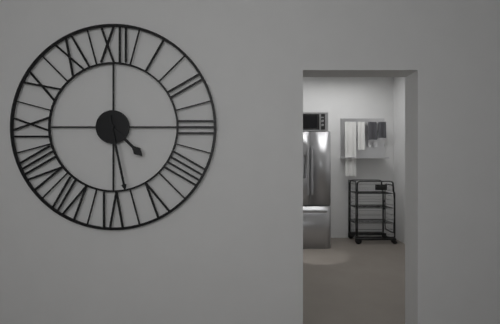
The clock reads 4.28
